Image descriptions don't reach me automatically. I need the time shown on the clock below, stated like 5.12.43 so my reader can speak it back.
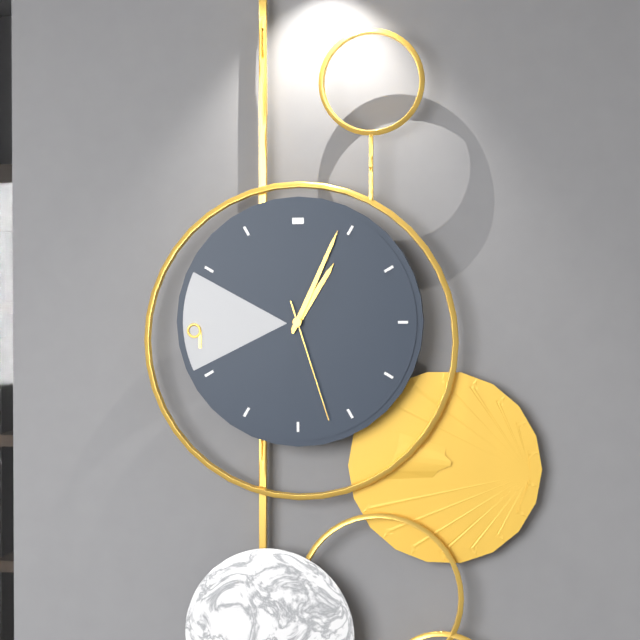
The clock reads 1.04.27
